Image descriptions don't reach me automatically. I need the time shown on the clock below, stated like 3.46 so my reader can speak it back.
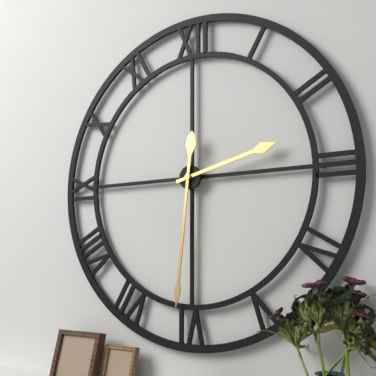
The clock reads 2.31
